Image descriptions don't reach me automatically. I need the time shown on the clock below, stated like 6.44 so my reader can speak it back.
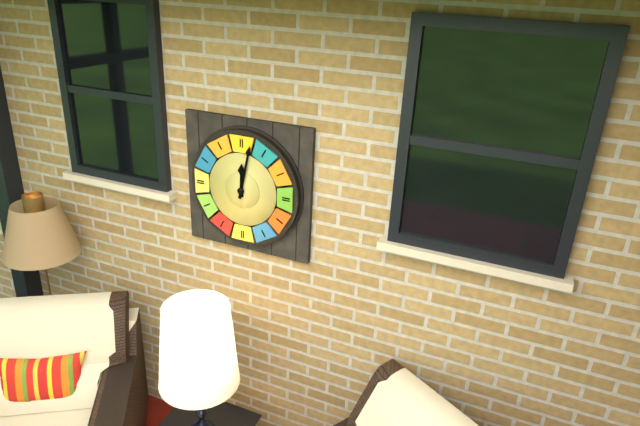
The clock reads 12.02
